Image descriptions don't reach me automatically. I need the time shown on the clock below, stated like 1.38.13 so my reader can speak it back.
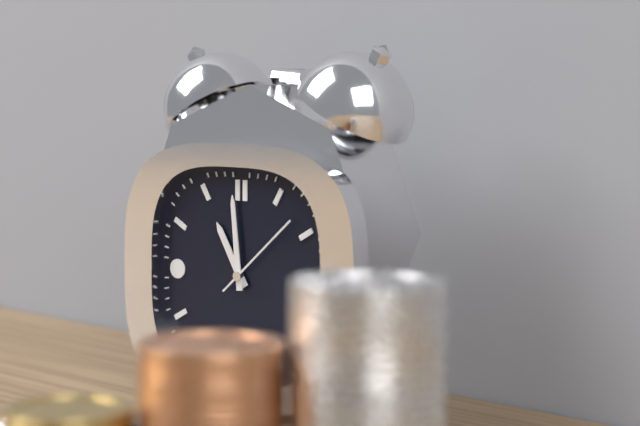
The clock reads 10.59.08
